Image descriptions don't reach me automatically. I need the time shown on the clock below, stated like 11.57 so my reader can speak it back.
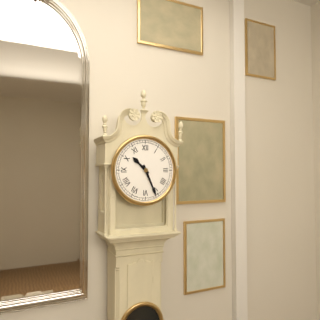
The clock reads 10.26
